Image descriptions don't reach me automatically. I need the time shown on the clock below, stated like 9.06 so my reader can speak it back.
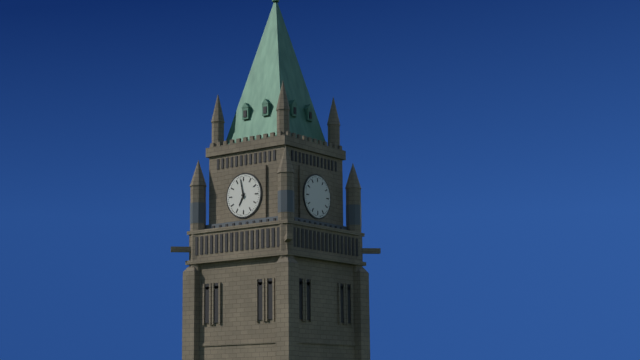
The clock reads 6.58
